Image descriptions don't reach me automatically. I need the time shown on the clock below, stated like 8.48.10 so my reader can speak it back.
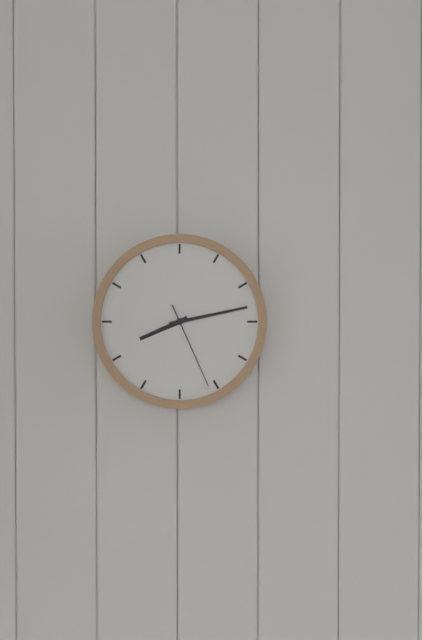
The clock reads 8.13.26
